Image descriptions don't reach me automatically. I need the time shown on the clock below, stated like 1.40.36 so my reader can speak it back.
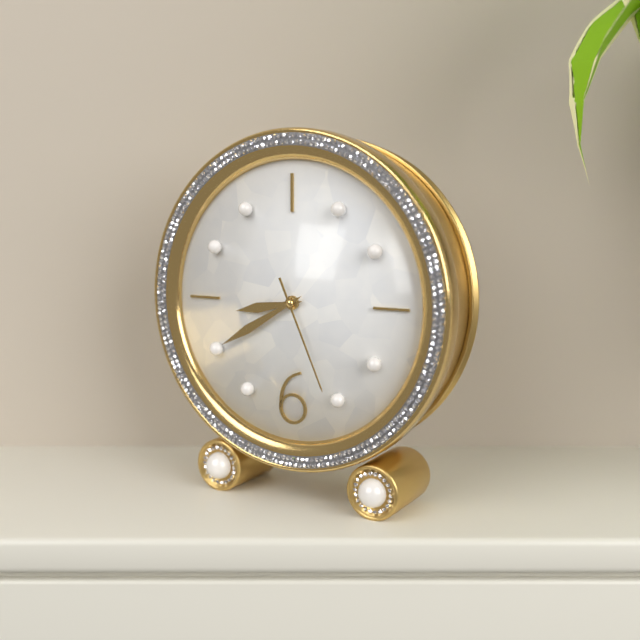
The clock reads 8.40.26
